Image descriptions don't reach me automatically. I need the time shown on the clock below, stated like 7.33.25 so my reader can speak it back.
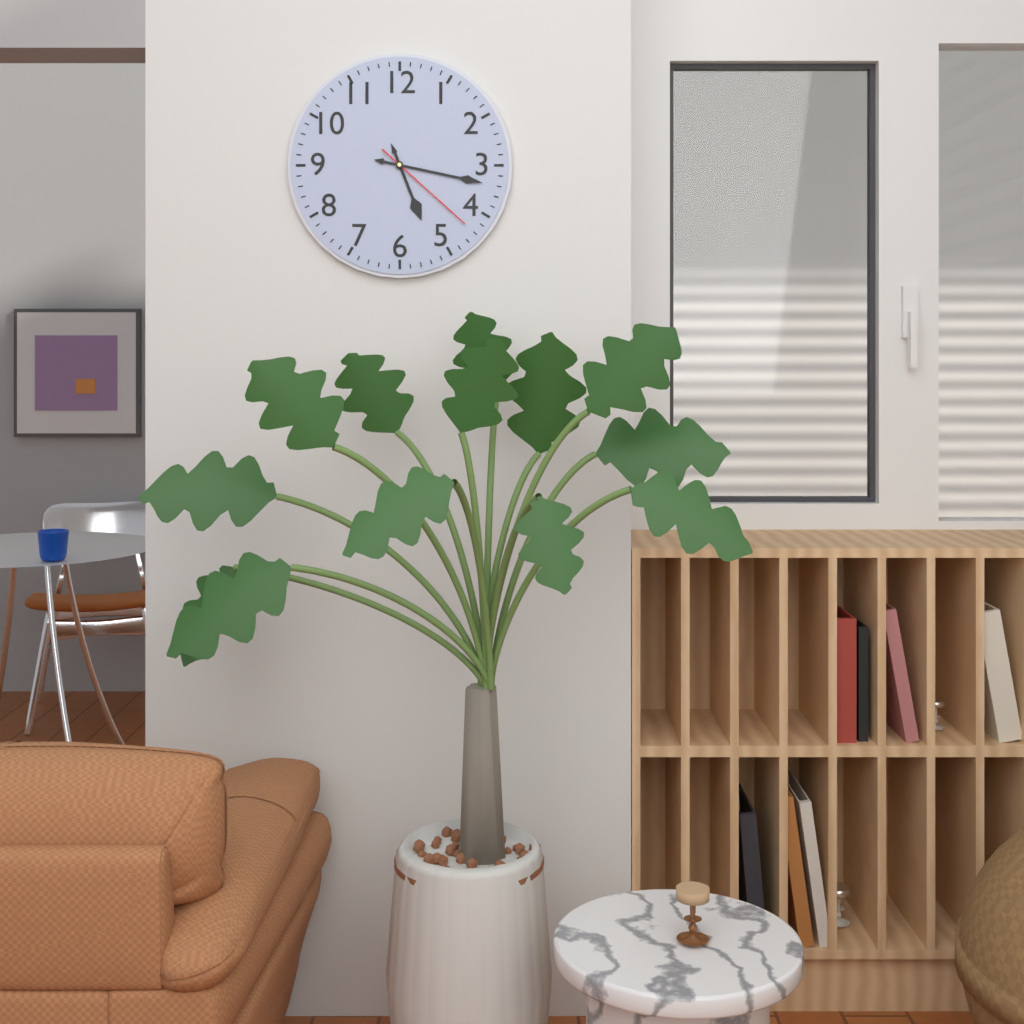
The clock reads 5.17.22
